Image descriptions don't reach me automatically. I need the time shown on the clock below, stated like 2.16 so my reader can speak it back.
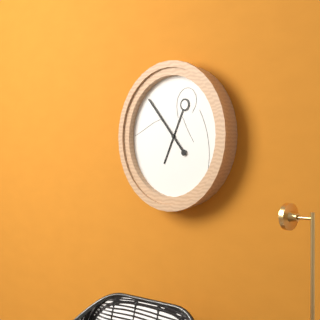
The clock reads 6.53
